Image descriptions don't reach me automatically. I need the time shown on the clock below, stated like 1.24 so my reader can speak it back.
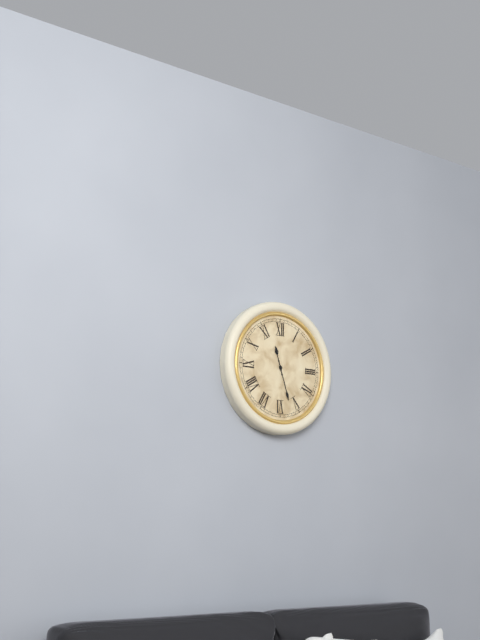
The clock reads 11.27
